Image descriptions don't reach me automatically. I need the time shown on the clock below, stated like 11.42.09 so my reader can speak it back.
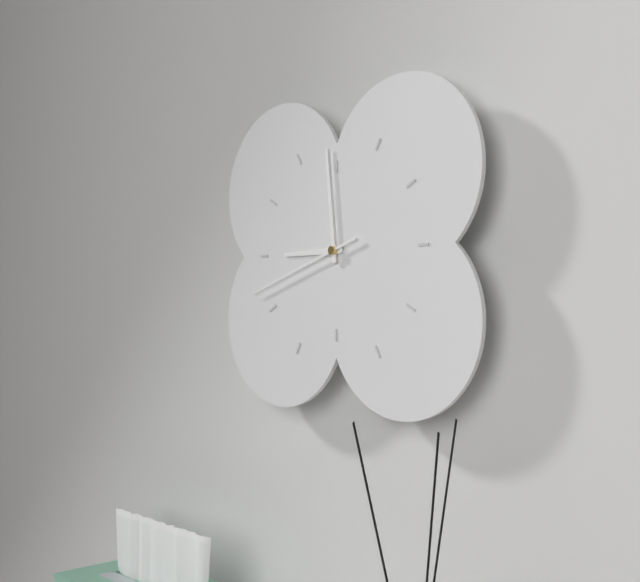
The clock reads 8.59.42
